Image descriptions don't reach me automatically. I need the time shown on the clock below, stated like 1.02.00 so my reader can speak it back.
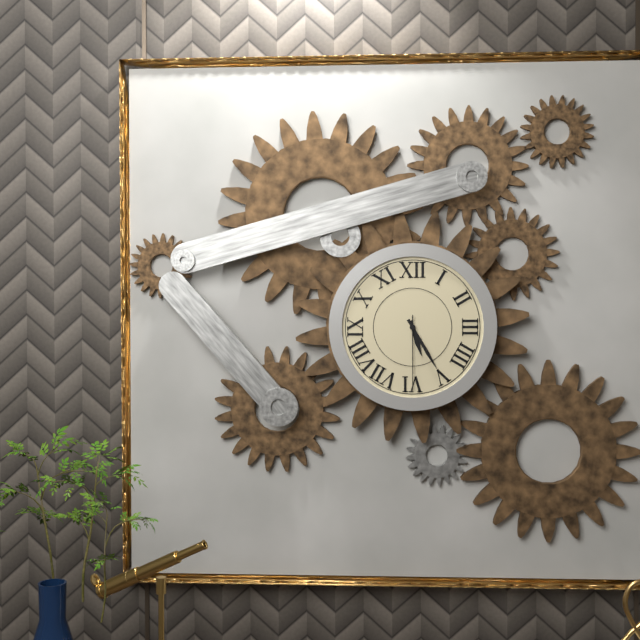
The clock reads 5.25.30
